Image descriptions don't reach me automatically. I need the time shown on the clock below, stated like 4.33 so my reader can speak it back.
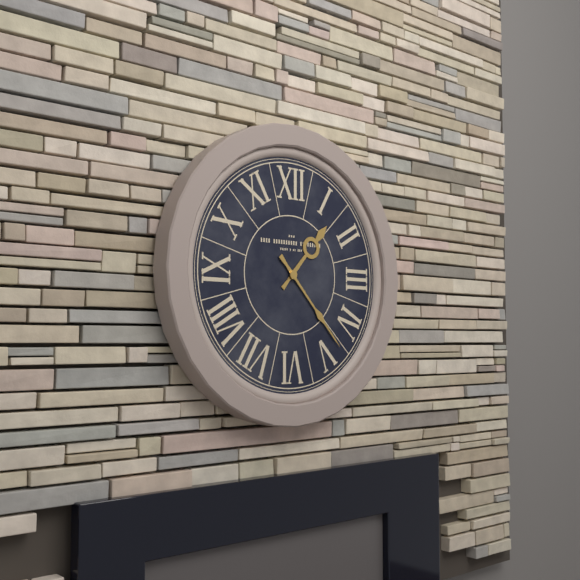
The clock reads 1.23
